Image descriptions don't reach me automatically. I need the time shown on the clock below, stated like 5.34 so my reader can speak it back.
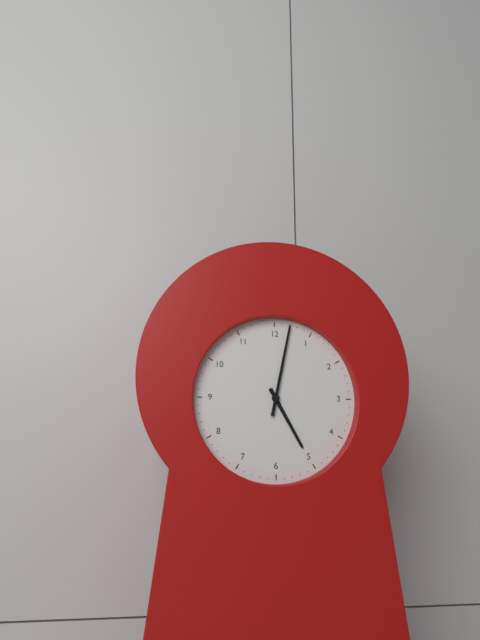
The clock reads 5.02
